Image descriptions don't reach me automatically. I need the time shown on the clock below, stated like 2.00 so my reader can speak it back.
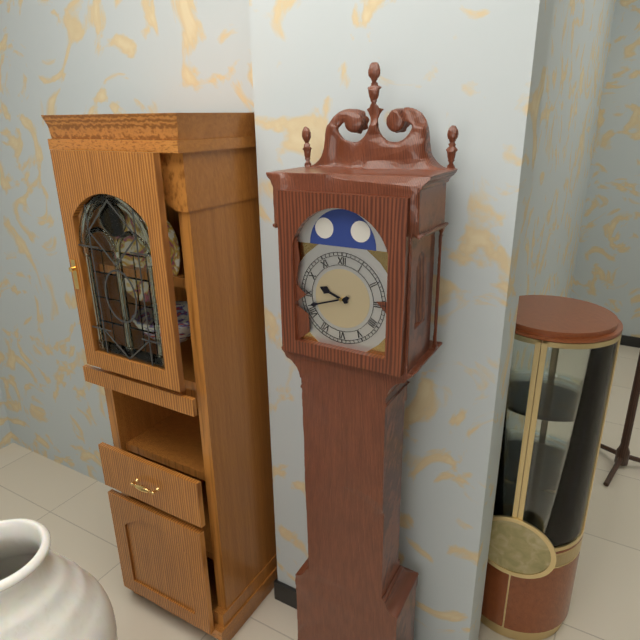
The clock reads 9.42
